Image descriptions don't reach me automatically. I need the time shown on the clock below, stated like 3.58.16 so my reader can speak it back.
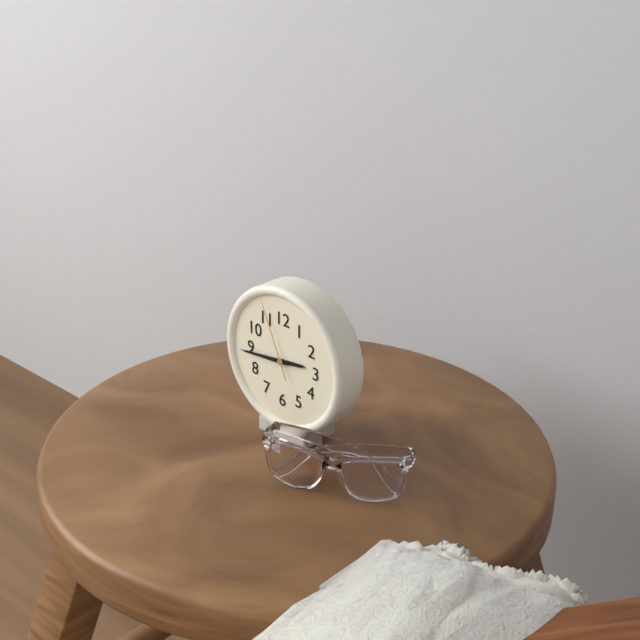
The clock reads 2.44.56
